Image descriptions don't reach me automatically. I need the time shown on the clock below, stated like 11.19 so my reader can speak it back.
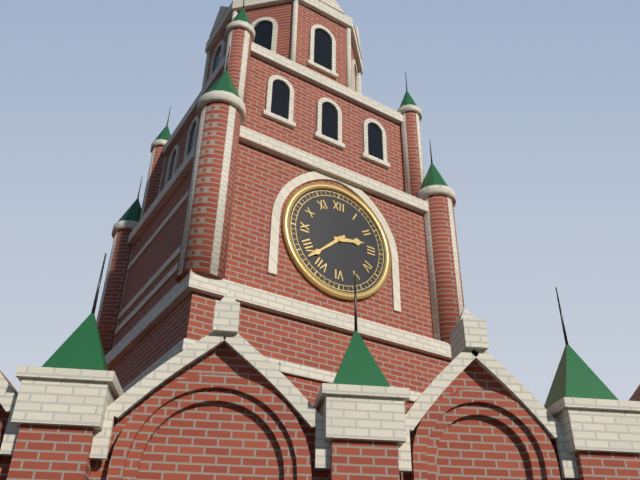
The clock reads 2.38
